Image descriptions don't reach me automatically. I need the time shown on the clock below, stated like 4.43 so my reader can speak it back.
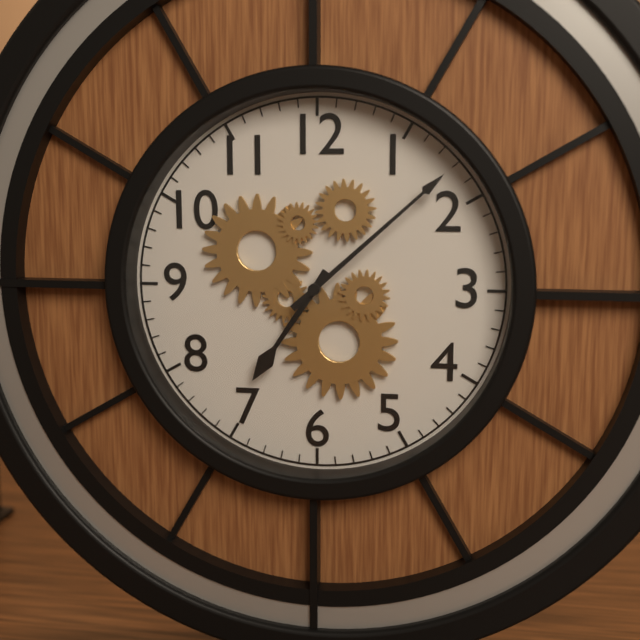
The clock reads 7.08
